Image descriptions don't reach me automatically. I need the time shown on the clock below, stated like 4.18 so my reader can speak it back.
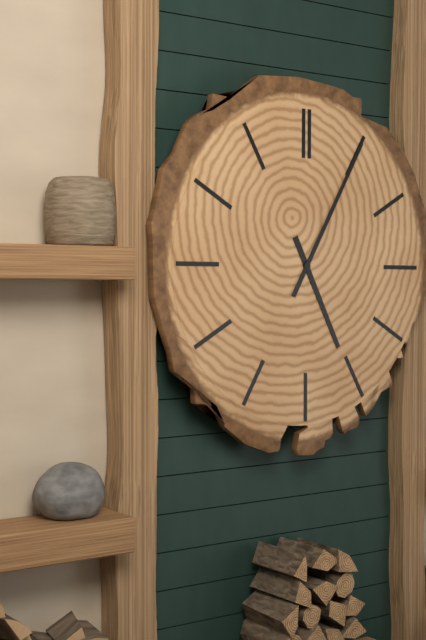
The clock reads 5.05
